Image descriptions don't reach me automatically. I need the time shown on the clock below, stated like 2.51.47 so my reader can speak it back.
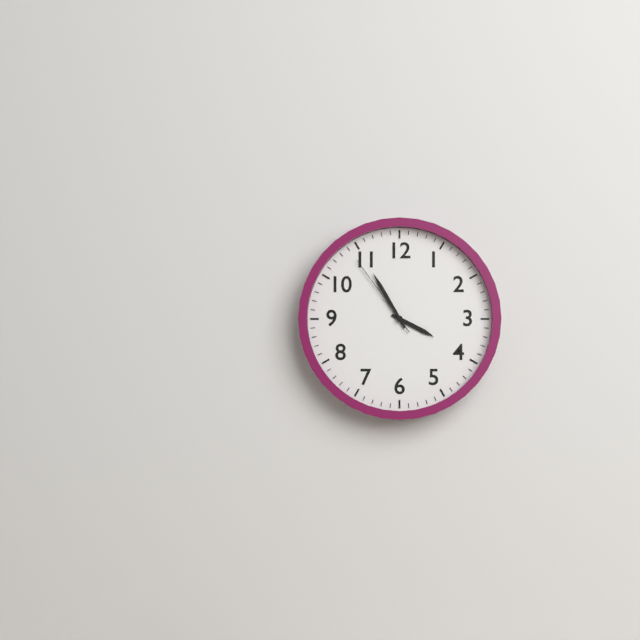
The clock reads 3.55.54
